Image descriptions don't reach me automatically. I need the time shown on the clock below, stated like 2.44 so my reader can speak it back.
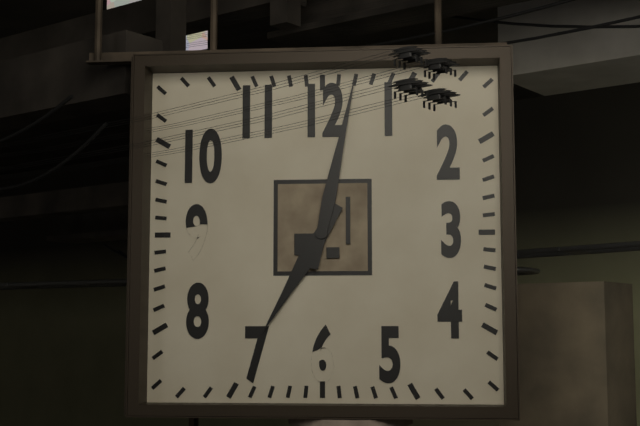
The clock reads 7.02
